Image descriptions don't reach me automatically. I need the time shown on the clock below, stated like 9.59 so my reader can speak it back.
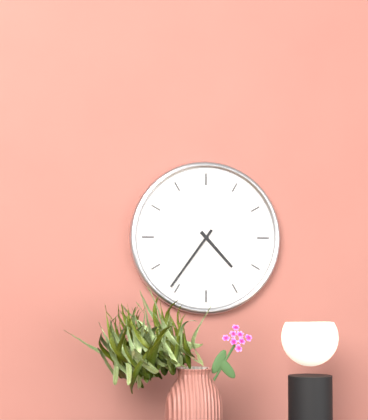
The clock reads 4.36
